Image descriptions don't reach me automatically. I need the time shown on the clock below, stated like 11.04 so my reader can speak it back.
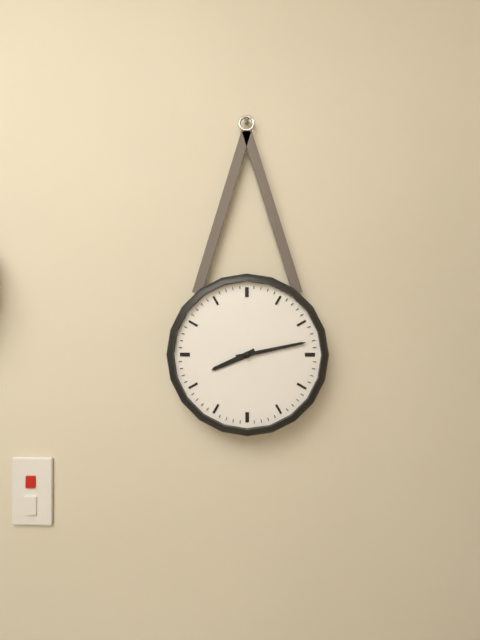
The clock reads 8.13
